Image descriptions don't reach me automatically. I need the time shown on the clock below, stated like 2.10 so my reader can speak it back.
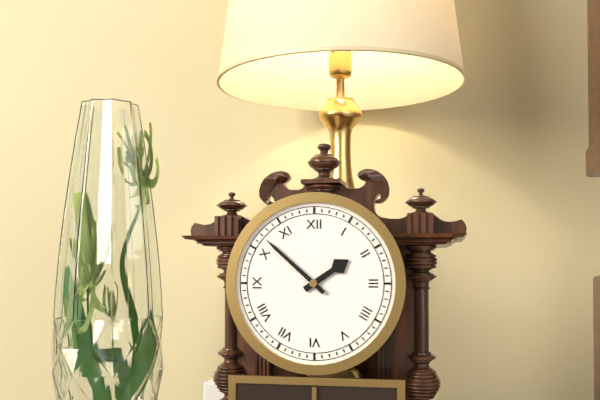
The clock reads 1.52
